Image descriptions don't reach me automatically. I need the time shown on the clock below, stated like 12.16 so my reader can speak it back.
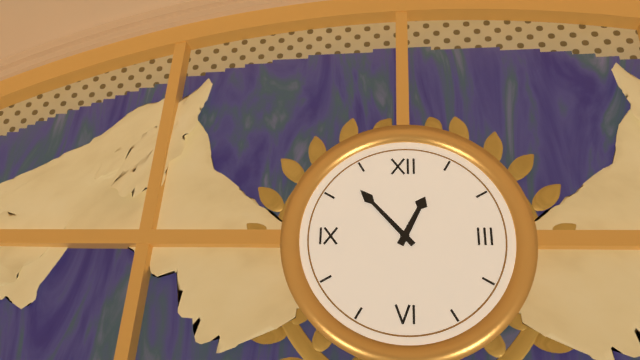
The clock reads 12.53
